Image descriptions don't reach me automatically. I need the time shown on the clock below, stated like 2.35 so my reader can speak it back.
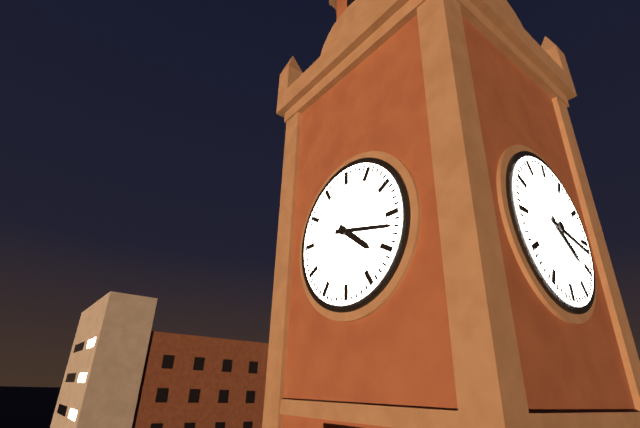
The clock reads 4.17
